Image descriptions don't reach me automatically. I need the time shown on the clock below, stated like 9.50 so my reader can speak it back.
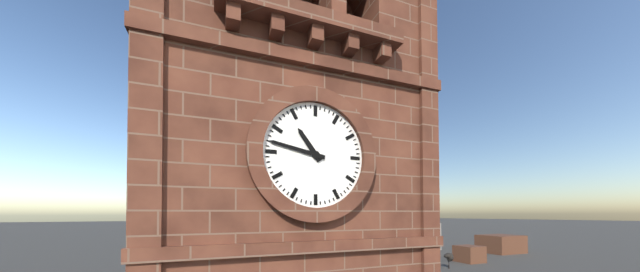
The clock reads 10.47
